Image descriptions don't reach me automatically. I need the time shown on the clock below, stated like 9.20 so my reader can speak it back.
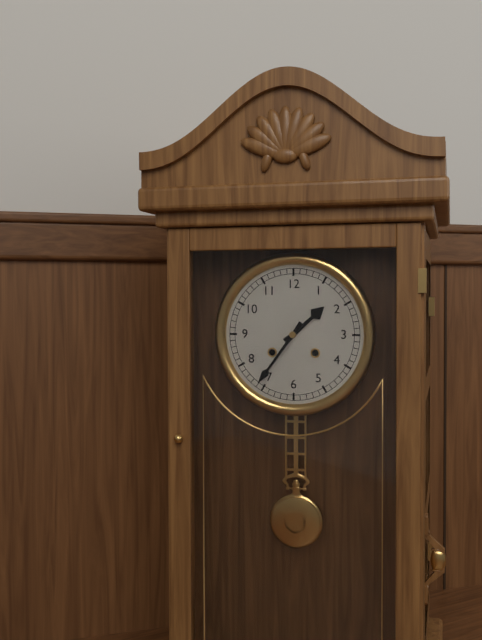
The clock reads 1.36
